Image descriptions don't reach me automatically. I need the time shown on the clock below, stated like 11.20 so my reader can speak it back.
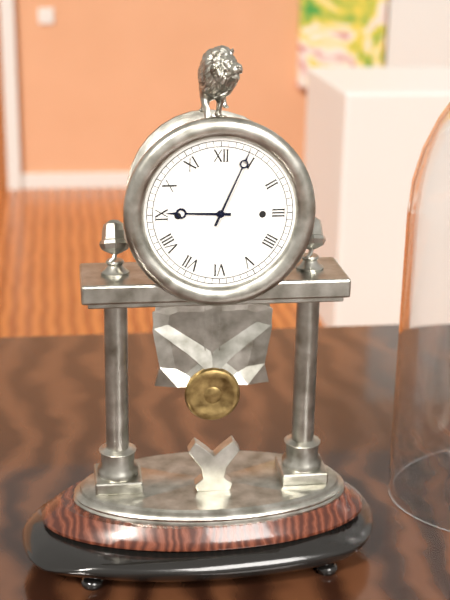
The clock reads 9.04
